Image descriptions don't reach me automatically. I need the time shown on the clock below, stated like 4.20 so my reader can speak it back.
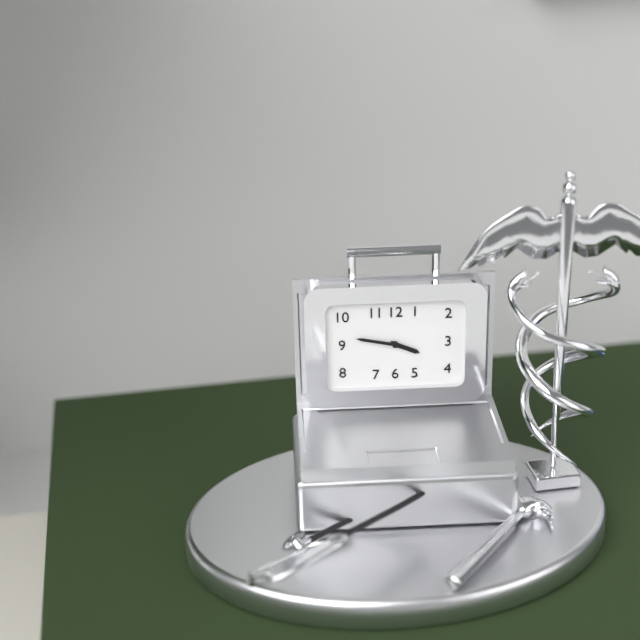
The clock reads 3.47
